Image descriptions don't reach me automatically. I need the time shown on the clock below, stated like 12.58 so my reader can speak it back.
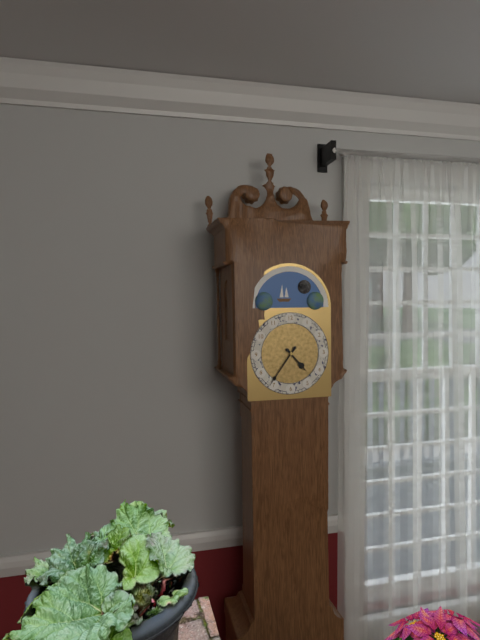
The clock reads 4.36
